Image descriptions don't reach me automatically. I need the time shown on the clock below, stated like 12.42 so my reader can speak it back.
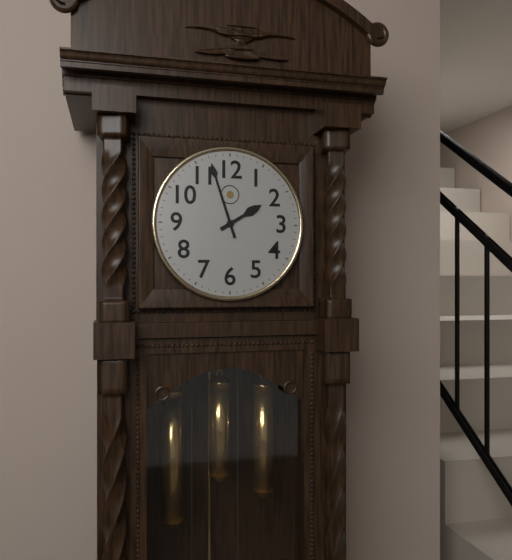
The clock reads 1.57
